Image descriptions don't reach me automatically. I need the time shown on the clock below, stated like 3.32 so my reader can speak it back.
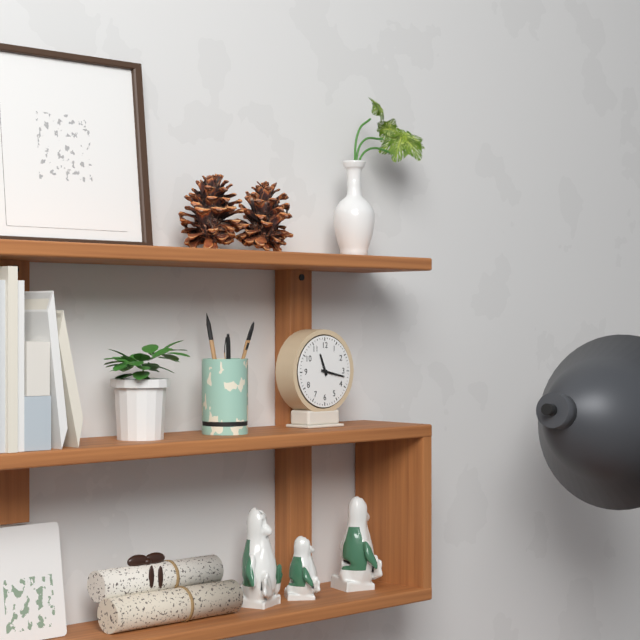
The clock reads 11.17
